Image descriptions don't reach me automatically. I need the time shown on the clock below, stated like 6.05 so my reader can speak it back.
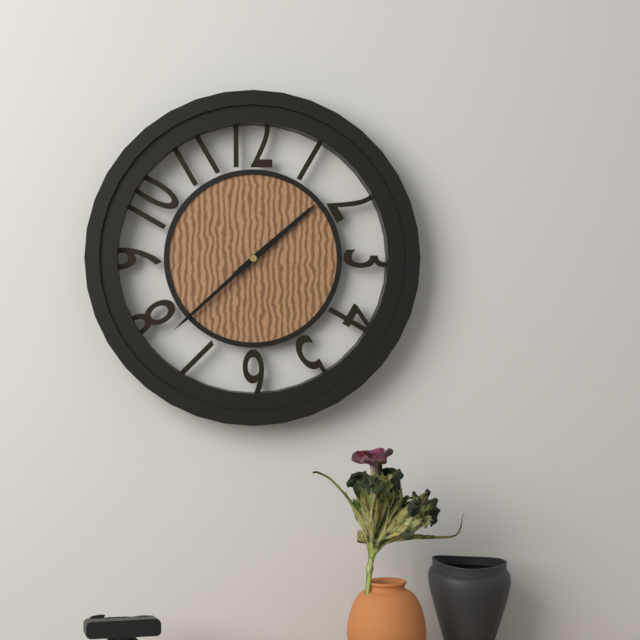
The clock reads 1.38
